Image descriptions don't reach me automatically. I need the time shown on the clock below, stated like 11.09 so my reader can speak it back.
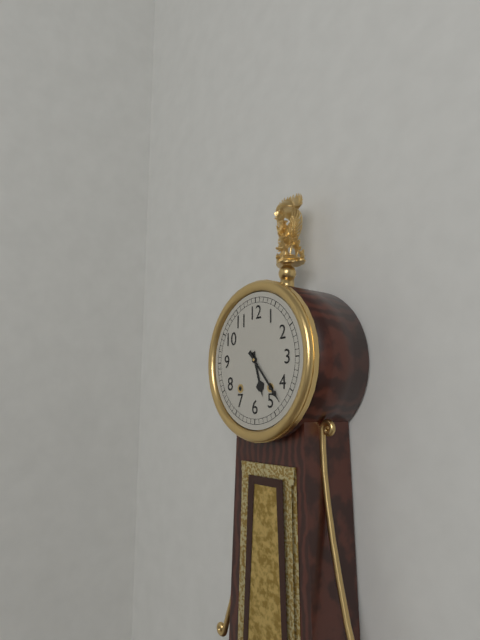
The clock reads 5.23
